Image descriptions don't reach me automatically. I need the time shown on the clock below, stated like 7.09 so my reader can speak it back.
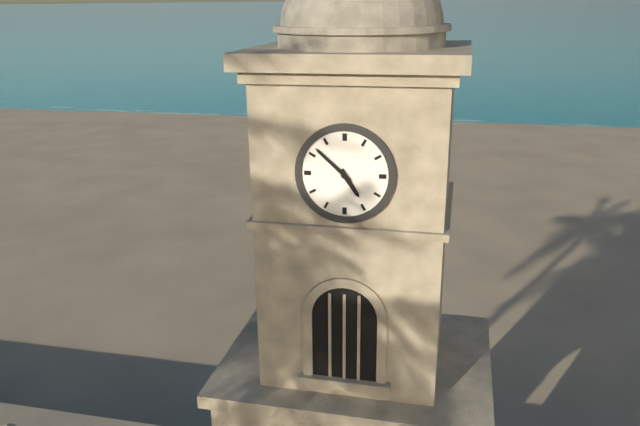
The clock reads 4.52
